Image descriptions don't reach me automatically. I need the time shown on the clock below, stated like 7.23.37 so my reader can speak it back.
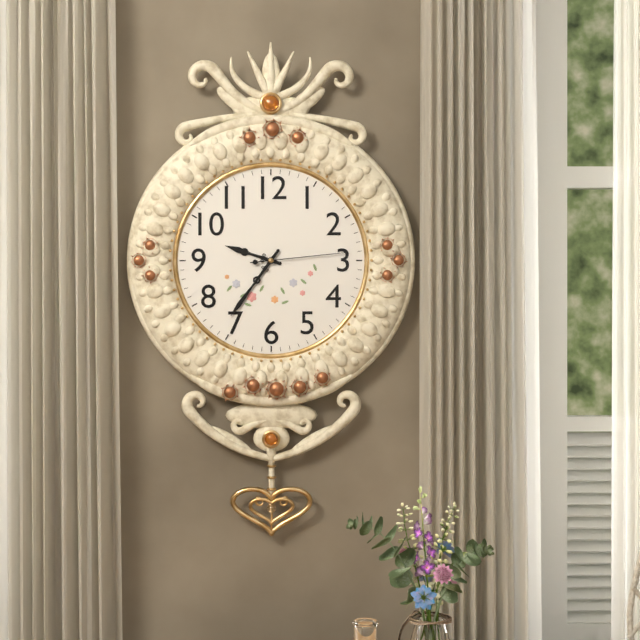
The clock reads 9.36.14
